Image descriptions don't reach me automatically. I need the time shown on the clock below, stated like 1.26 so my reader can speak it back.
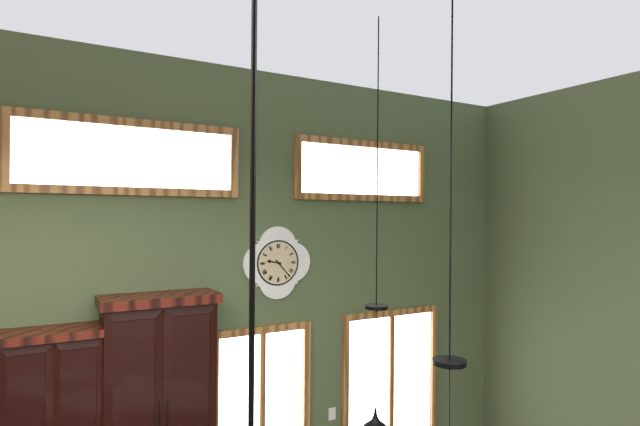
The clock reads 9.23
